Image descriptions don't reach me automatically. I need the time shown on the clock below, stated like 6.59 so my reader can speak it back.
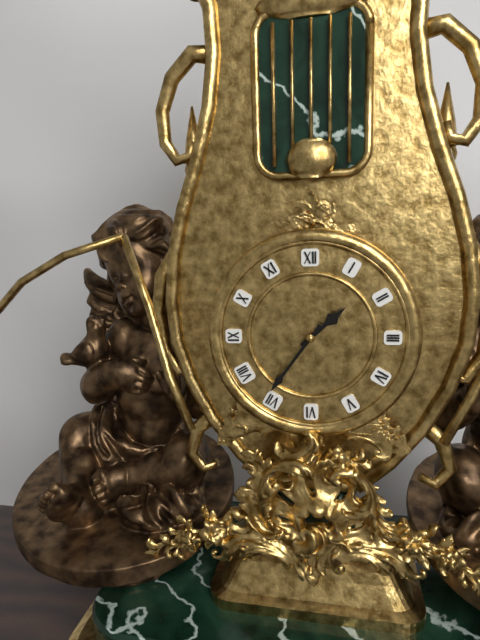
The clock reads 1.36
